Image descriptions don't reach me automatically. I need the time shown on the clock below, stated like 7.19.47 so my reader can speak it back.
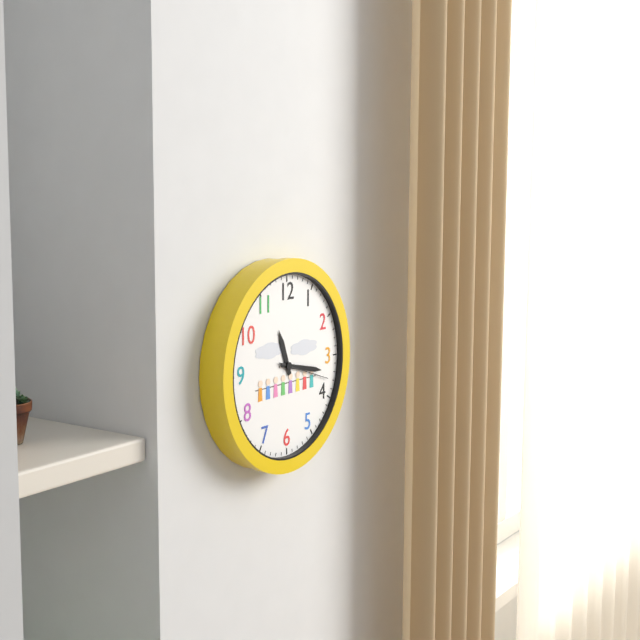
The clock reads 11.17.18
